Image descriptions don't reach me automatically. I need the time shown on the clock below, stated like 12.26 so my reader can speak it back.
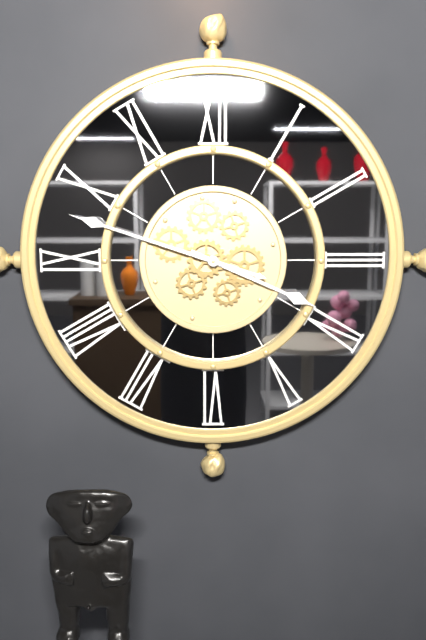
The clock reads 3.48
